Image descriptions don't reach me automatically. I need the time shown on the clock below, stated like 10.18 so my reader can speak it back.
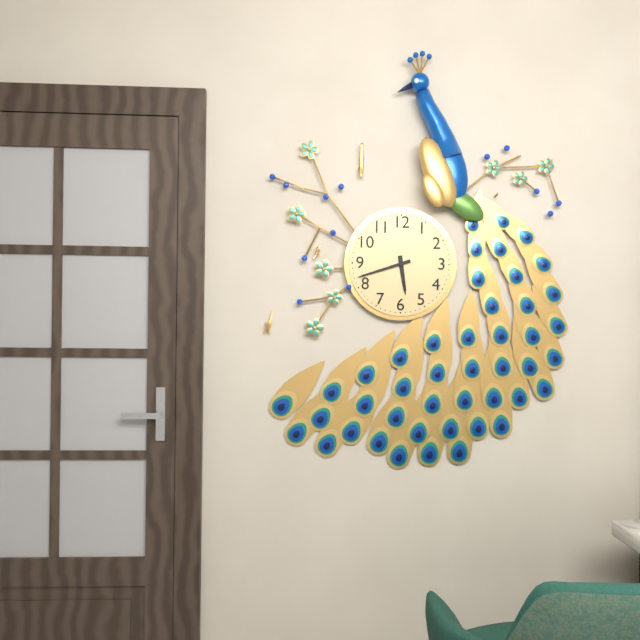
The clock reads 5.42
